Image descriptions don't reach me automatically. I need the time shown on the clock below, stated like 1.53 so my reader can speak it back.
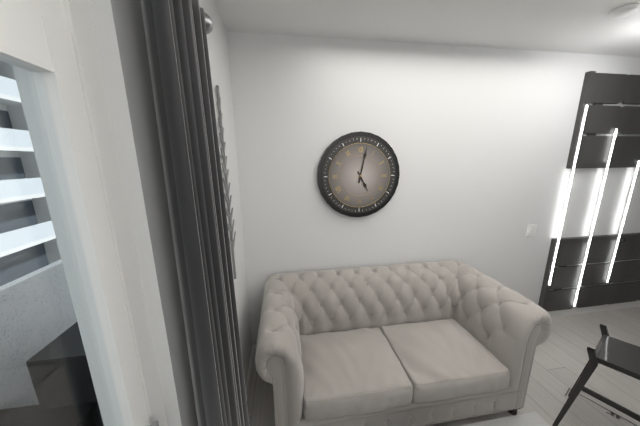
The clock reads 5.02
